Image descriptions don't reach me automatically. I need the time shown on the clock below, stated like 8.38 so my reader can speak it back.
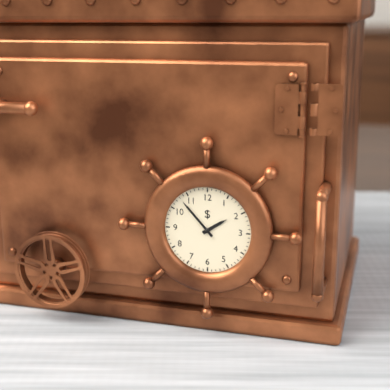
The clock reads 1.53
